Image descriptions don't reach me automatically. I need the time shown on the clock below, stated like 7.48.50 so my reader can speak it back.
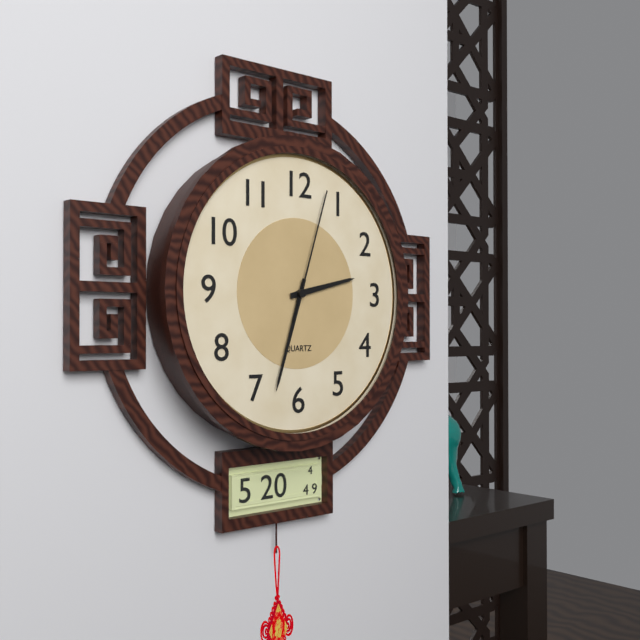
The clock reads 2.33.03
